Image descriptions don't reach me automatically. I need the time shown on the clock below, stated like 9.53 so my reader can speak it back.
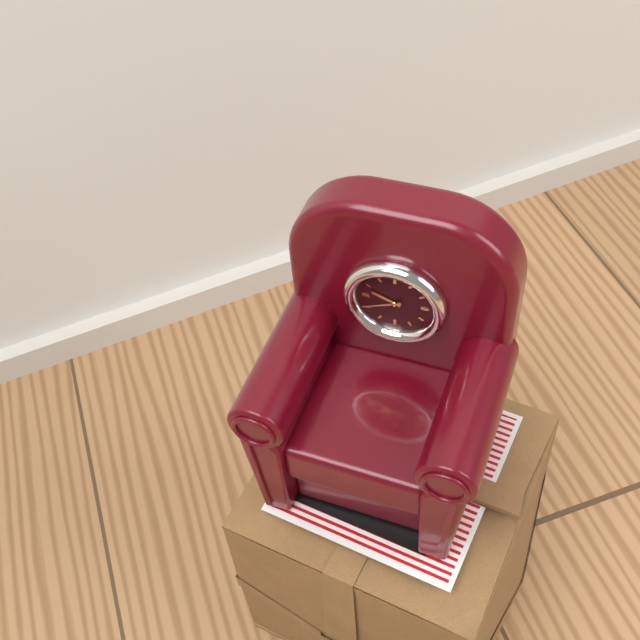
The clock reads 9.41
